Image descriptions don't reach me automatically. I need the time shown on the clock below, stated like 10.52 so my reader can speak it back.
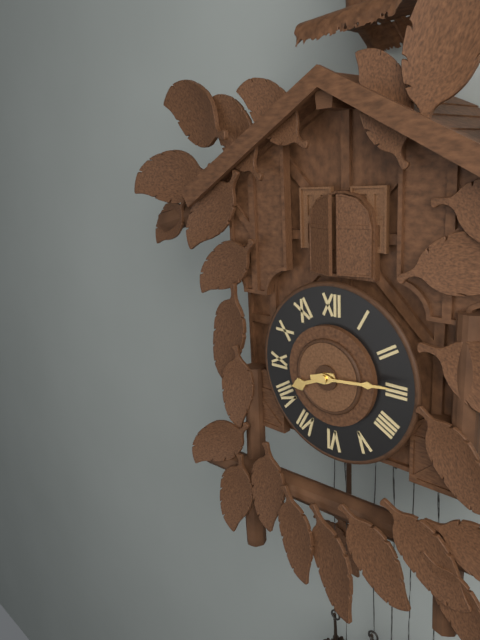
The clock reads 8.14
